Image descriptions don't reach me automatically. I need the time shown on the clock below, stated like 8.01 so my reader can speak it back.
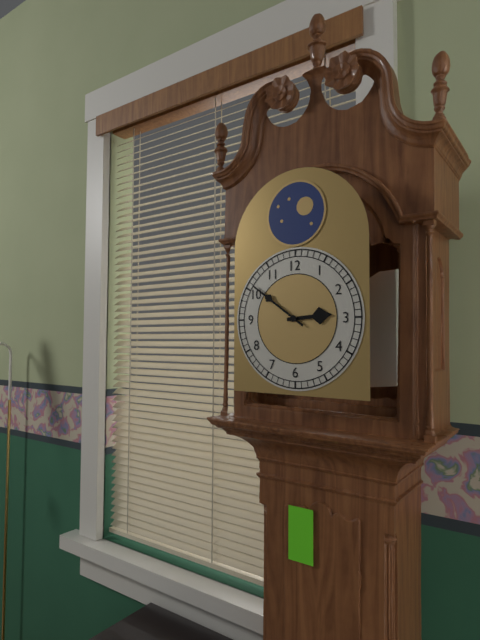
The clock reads 2.51
